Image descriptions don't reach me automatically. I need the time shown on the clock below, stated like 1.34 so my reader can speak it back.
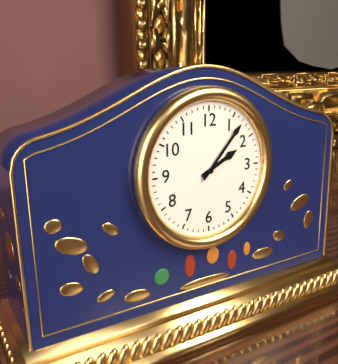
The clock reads 2.07
